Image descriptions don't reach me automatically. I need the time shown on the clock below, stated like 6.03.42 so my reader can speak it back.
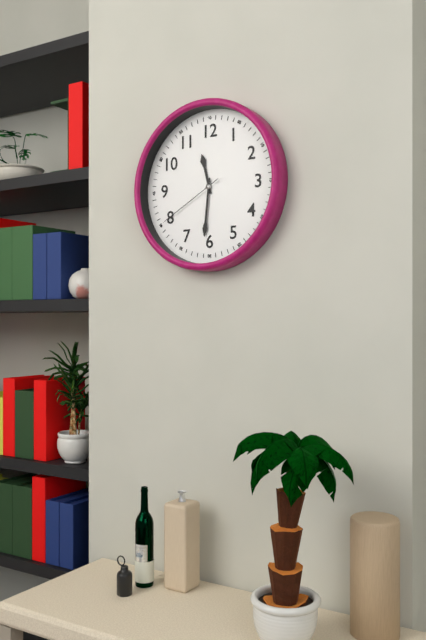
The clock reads 11.31.40
